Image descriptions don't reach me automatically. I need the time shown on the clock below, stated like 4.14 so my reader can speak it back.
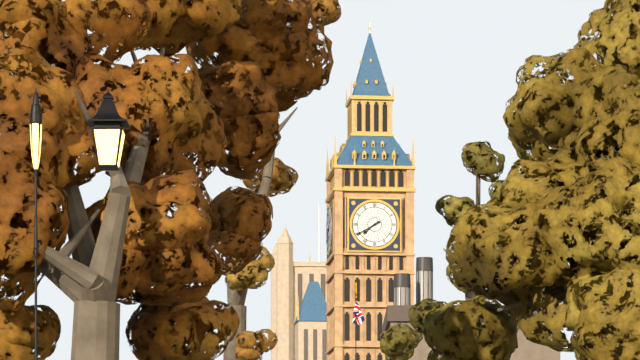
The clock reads 7.40
